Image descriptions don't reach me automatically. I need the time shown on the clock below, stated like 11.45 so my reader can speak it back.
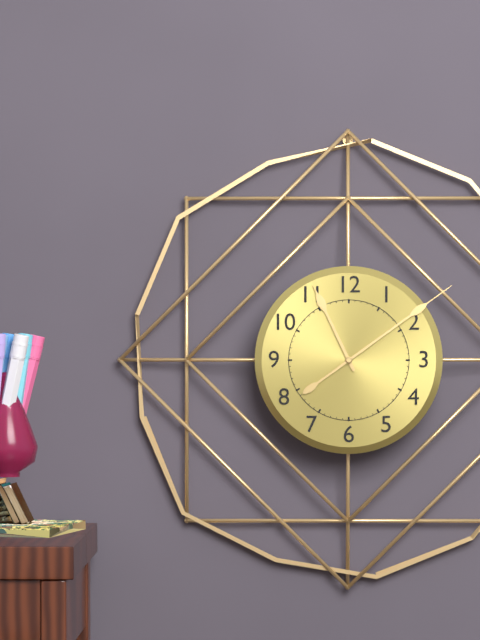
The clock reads 11.09
